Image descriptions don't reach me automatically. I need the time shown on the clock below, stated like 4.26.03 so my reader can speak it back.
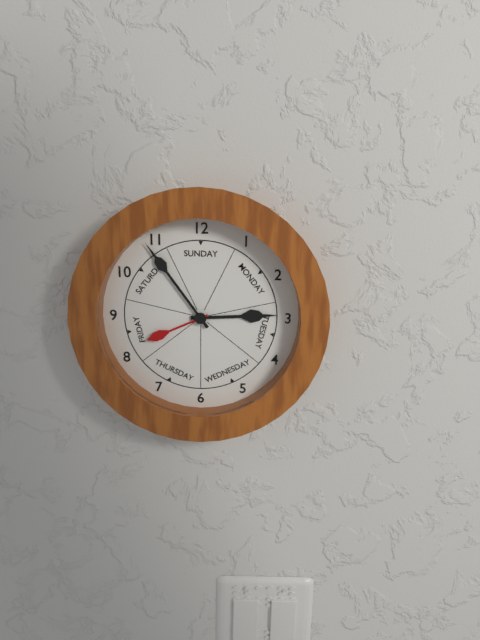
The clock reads 2.54.41
